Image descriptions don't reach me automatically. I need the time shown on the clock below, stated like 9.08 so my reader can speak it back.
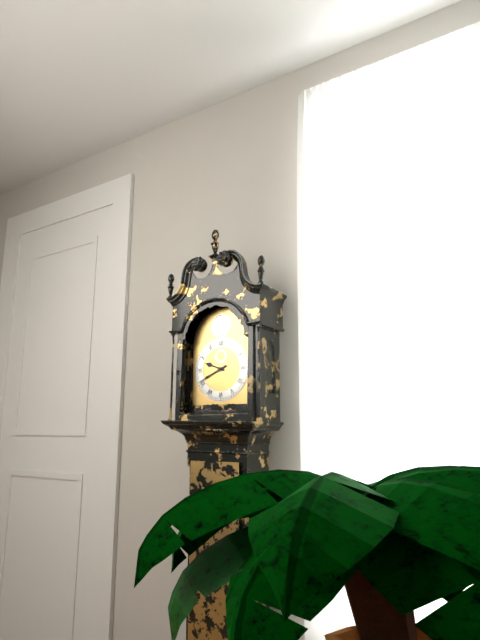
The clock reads 9.41
